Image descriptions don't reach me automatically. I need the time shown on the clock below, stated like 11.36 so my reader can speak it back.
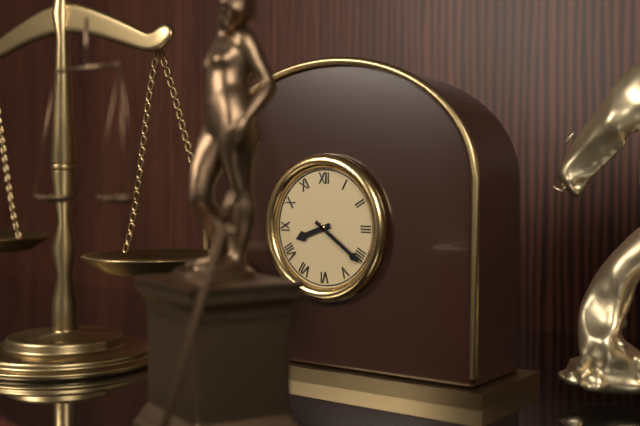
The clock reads 8.21
